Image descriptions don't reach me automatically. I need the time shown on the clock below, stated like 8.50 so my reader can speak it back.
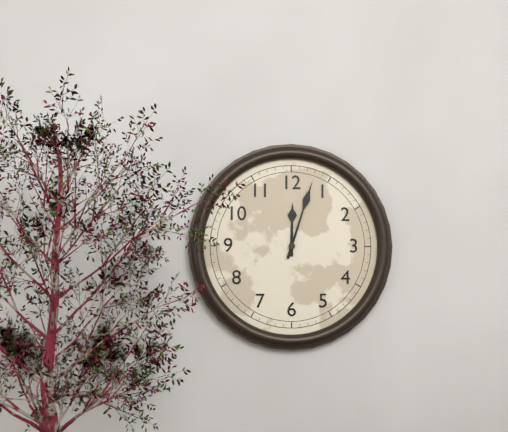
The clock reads 12.03
